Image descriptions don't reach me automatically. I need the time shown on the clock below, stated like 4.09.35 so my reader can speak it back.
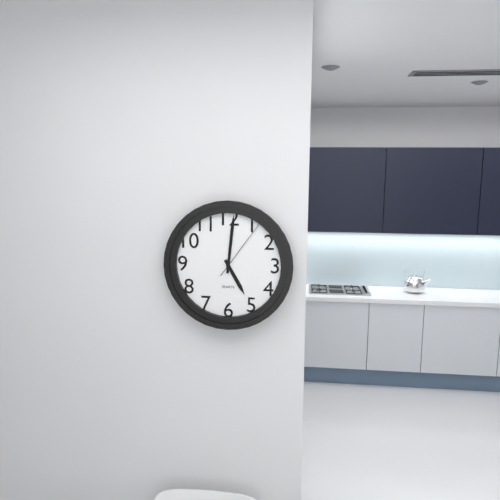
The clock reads 5.01.06
